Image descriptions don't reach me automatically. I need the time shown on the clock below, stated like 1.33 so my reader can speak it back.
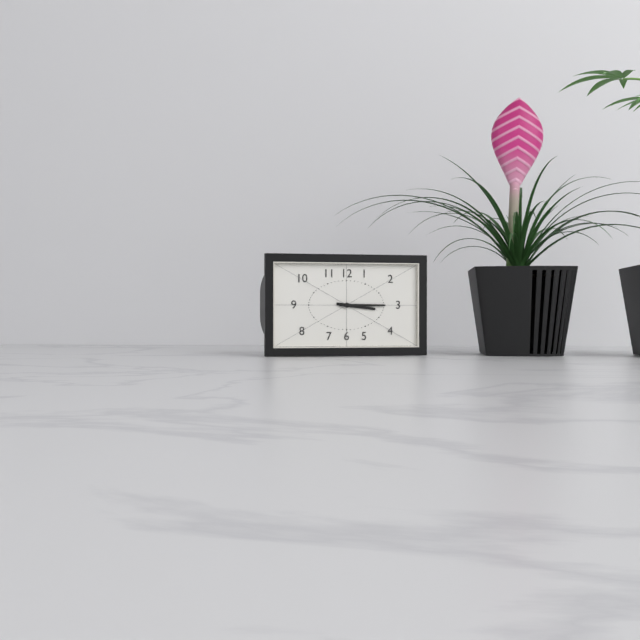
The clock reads 3.15
